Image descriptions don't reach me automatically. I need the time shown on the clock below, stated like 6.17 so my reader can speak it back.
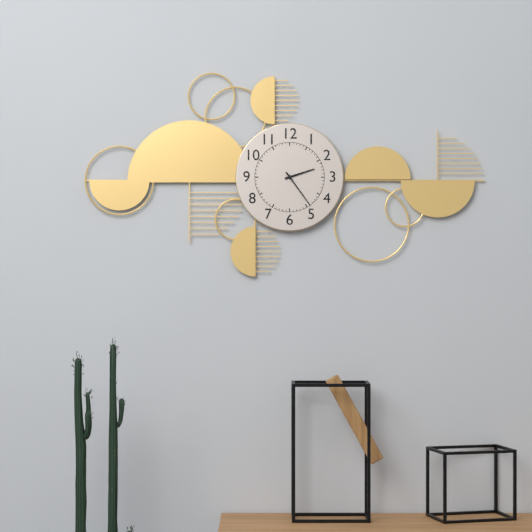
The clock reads 2.24
